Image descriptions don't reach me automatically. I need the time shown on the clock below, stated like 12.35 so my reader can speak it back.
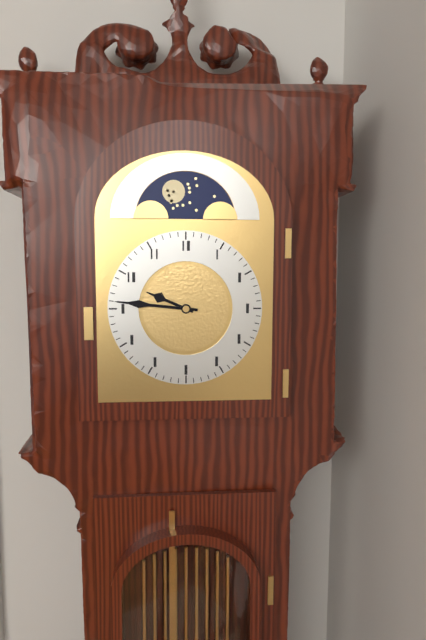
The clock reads 9.46
